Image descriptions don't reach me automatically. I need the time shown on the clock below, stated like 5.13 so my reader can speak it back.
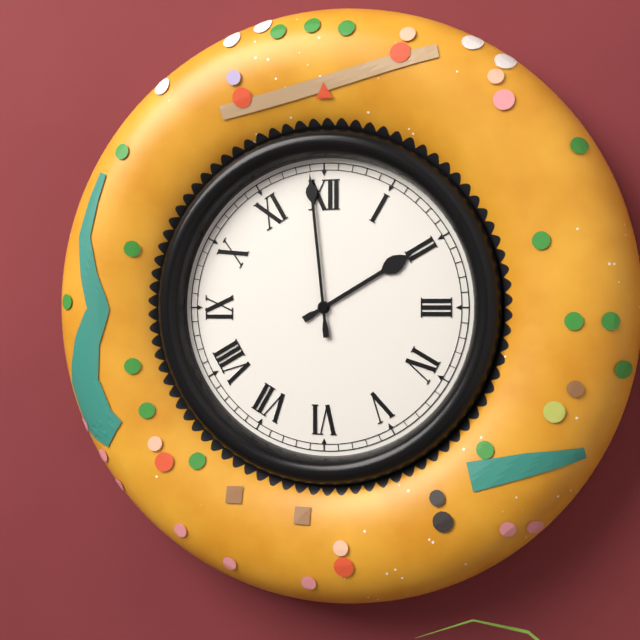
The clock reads 1.59
